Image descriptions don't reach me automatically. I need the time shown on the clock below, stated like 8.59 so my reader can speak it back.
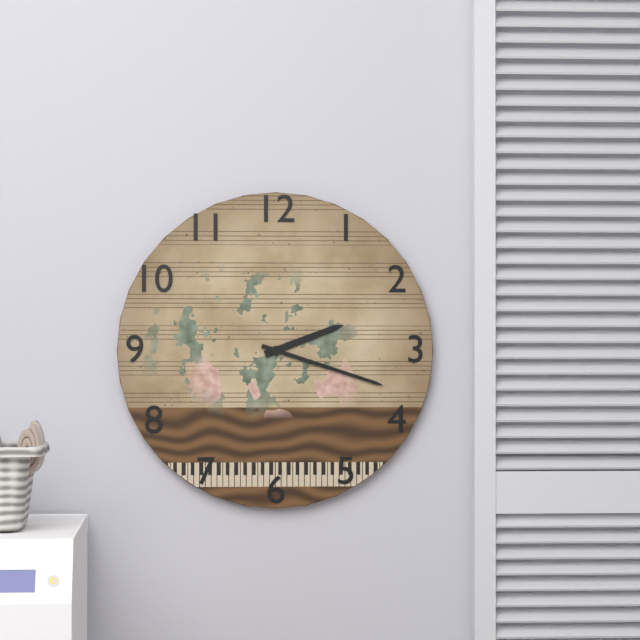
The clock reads 2.18
